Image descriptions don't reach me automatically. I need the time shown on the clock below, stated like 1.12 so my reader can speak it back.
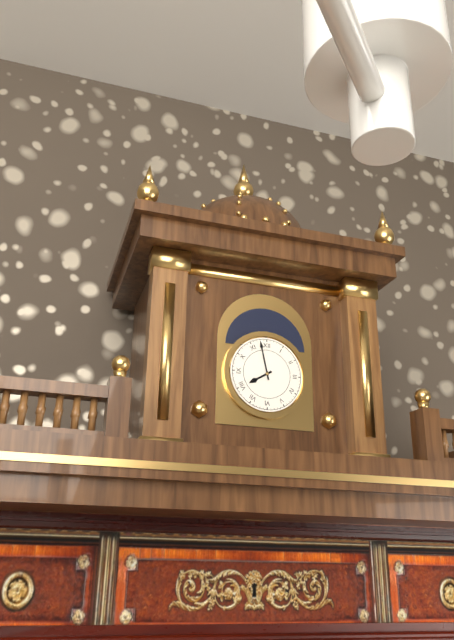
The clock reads 7.58
